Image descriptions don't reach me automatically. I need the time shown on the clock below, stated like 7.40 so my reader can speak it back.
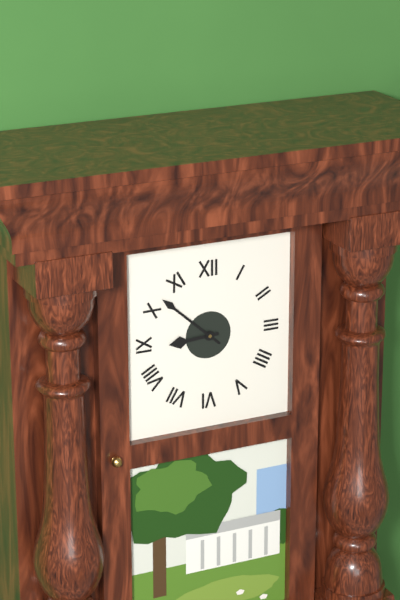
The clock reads 8.52
